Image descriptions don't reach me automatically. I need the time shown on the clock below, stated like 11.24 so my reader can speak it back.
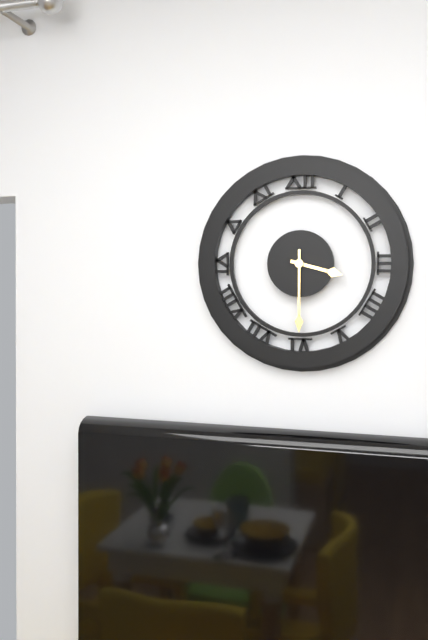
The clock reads 3.30
